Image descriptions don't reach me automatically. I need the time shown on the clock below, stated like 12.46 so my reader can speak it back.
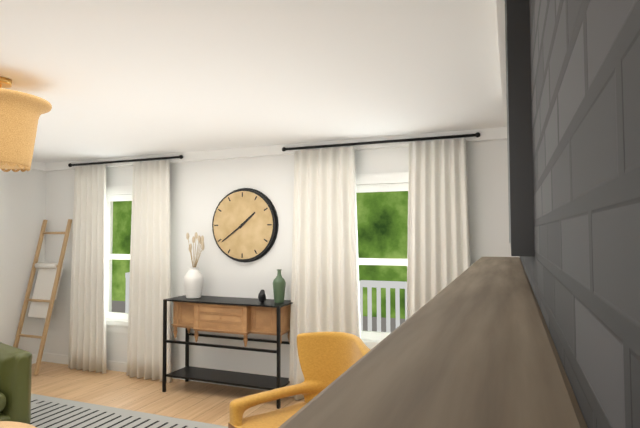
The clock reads 1.39
